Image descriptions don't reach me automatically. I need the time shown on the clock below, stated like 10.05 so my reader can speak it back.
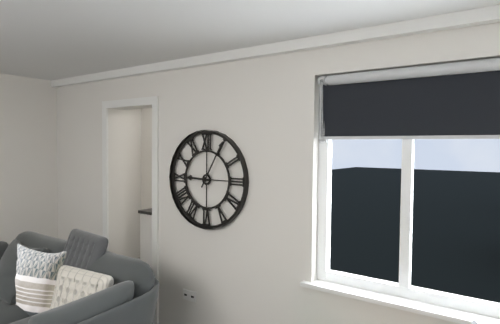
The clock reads 9.05
